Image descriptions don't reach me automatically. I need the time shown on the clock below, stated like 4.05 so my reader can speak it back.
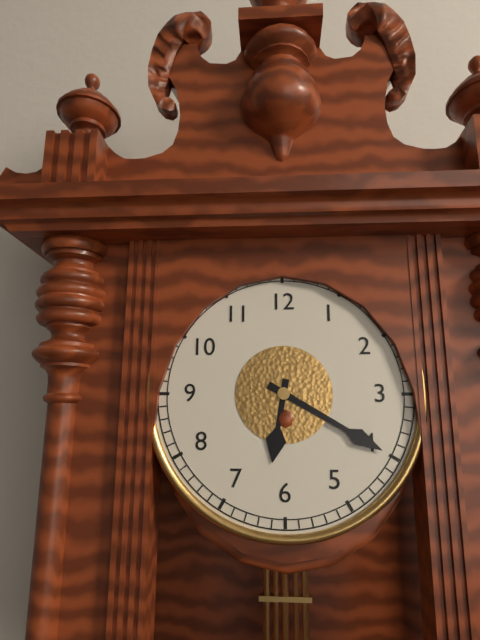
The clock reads 6.20
